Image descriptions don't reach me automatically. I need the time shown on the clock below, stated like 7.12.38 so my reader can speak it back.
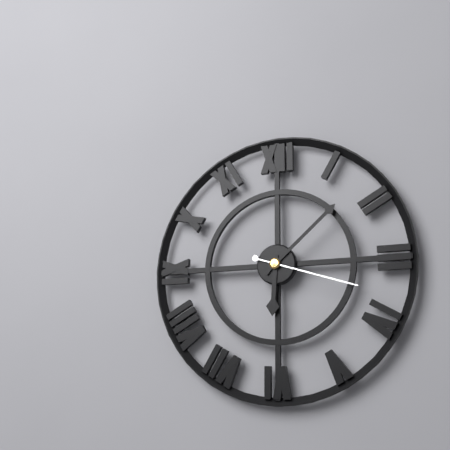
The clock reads 6.08.18
